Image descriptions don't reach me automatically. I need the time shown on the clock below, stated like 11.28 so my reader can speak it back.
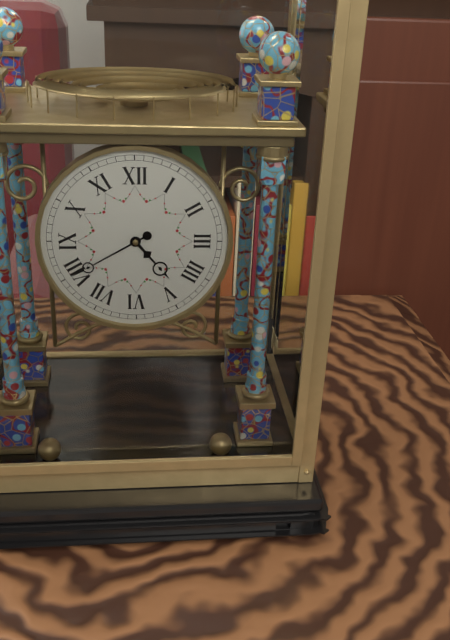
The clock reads 4.40
